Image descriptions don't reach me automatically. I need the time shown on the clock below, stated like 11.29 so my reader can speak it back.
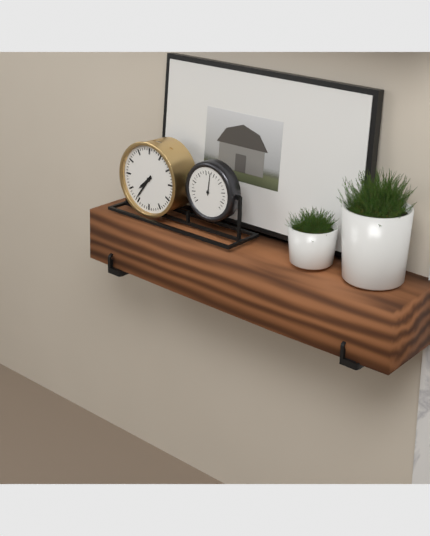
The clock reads 7.36
